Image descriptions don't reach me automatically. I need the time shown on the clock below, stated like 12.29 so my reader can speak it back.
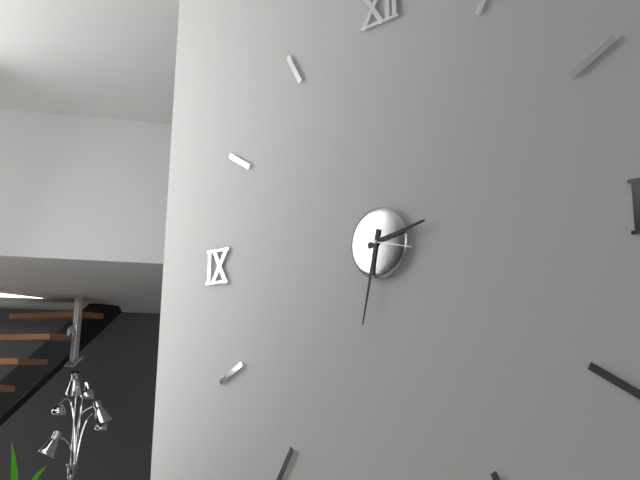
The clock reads 2.32
